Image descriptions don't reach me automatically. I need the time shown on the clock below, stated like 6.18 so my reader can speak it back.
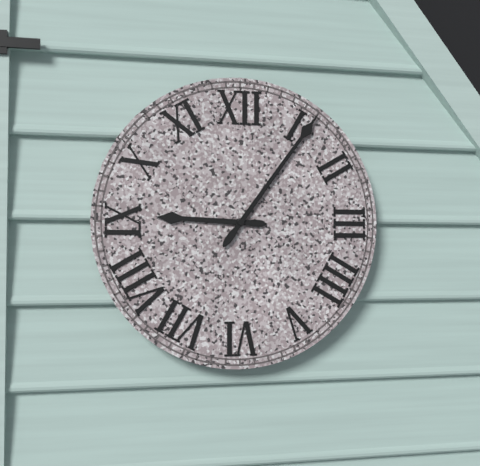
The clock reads 9.06
